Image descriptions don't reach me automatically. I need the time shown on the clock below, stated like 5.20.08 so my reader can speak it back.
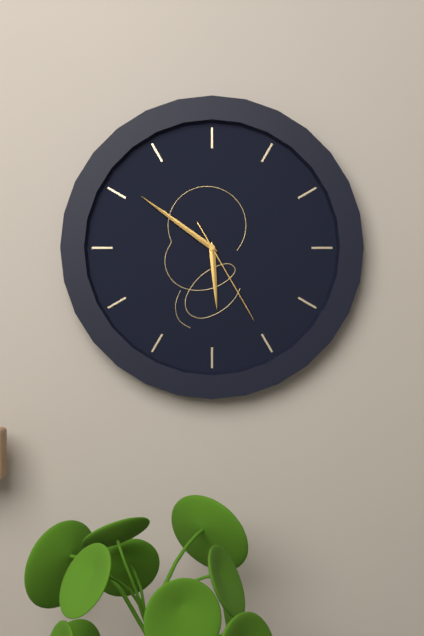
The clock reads 5.51.25
